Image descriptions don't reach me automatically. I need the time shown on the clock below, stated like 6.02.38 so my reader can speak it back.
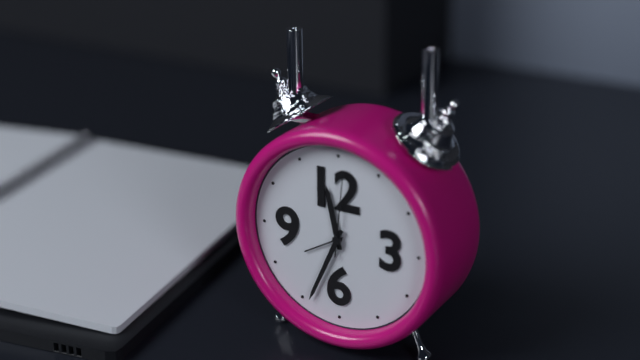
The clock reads 11.34.01
